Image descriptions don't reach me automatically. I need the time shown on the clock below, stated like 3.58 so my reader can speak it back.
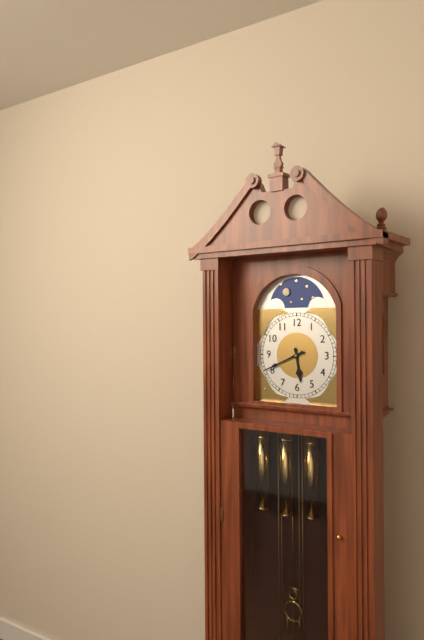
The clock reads 5.41
